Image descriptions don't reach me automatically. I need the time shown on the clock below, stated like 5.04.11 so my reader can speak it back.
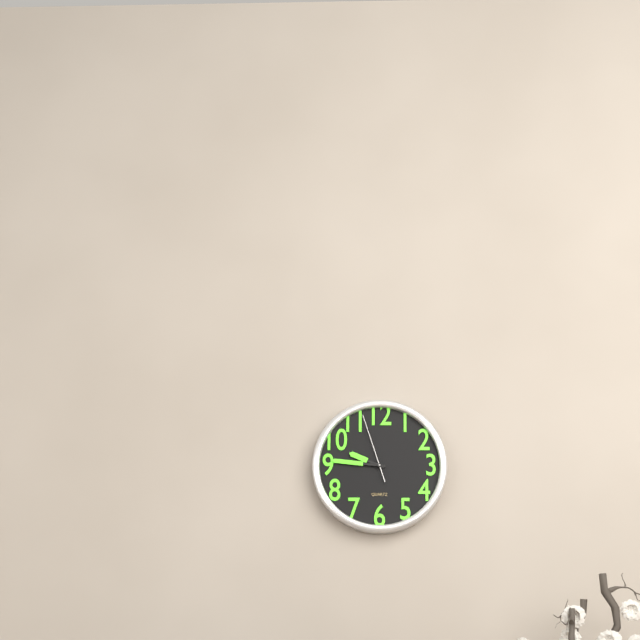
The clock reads 9.46.57
